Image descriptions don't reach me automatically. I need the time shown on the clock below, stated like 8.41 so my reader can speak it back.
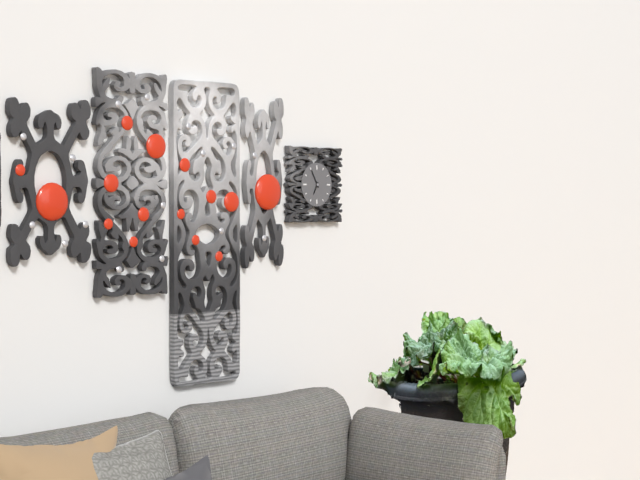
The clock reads 6.55
